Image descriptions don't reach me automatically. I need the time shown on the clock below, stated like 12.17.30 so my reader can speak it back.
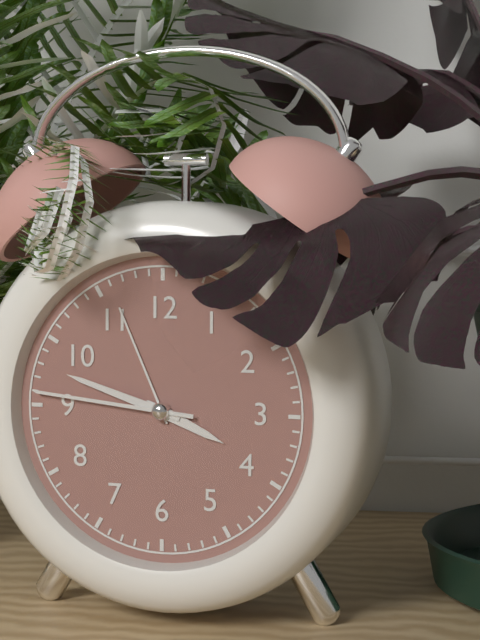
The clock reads 3.48.46
